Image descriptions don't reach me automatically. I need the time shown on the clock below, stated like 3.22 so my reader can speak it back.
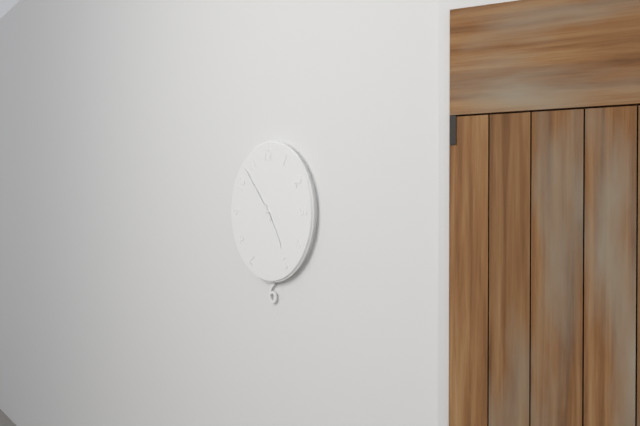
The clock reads 4.53
